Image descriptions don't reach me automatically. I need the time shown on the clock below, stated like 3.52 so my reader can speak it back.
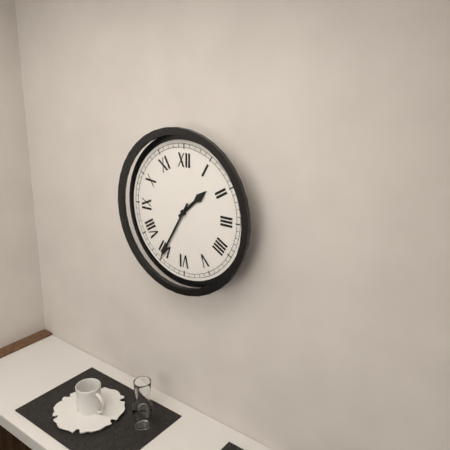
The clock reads 1.35
